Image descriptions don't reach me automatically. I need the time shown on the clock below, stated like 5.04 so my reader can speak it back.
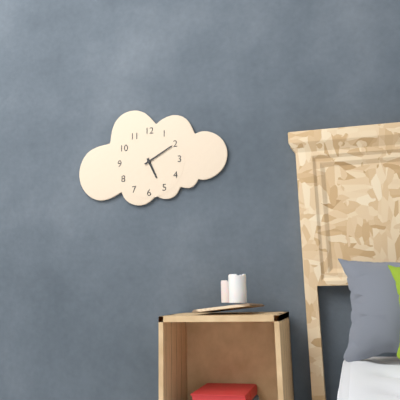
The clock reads 5.10
